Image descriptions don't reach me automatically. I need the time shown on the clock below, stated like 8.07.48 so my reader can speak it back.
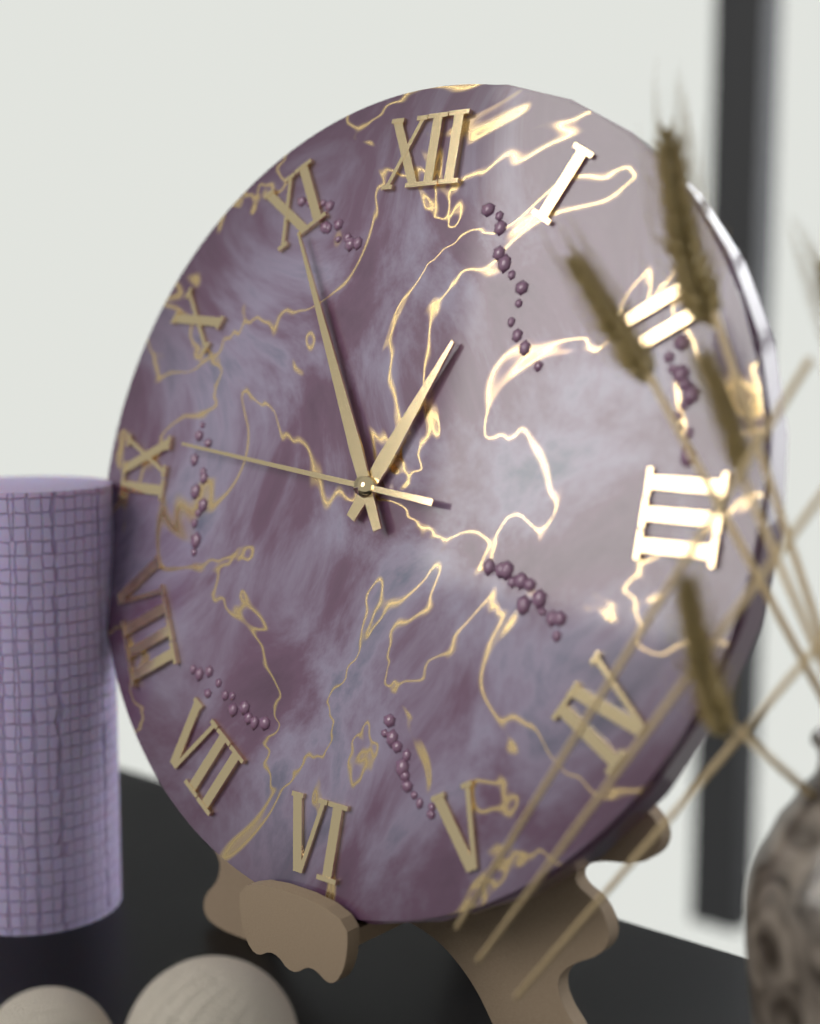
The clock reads 12.55.46
